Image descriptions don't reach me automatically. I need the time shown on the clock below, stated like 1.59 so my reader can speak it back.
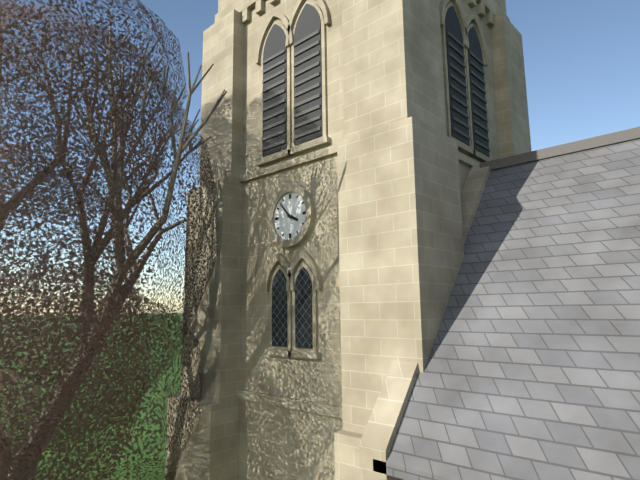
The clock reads 3.53
